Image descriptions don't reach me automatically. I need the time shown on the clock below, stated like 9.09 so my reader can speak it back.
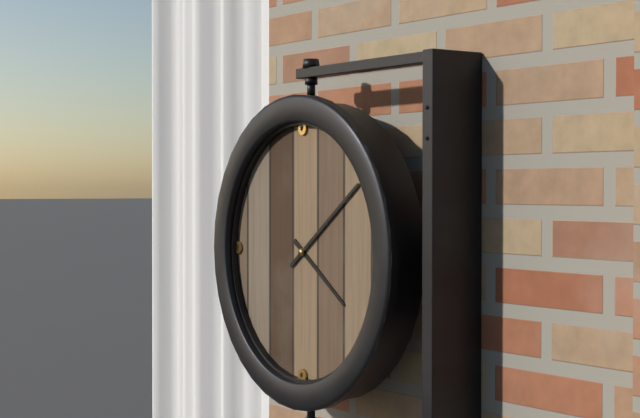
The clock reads 4.09
